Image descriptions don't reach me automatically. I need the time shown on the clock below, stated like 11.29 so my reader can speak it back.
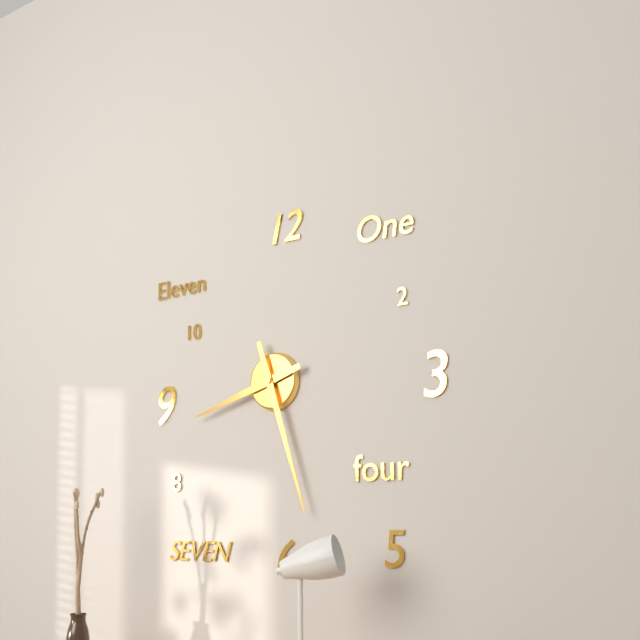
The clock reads 8.27
